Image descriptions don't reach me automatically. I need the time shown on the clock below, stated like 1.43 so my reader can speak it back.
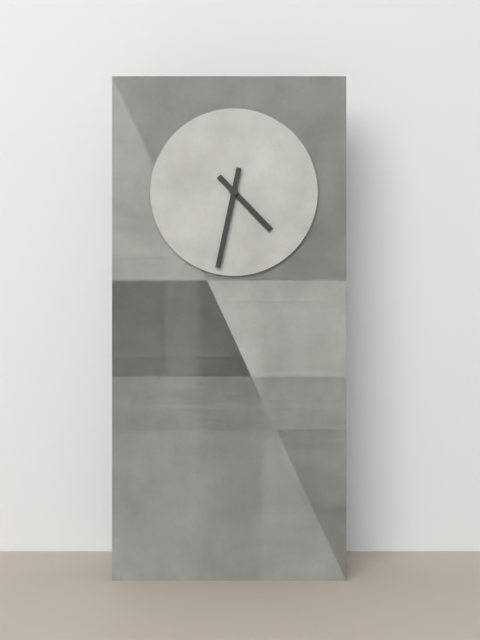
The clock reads 4.32
